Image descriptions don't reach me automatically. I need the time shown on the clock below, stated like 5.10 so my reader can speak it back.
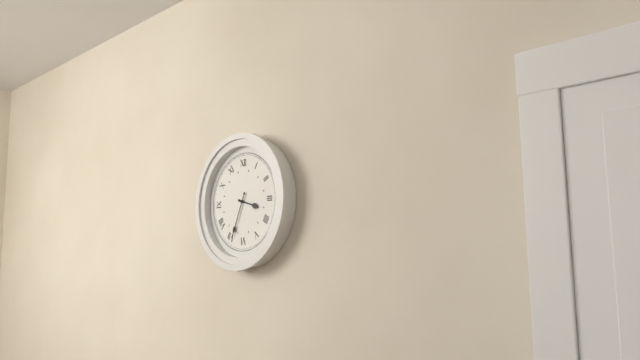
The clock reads 3.34
